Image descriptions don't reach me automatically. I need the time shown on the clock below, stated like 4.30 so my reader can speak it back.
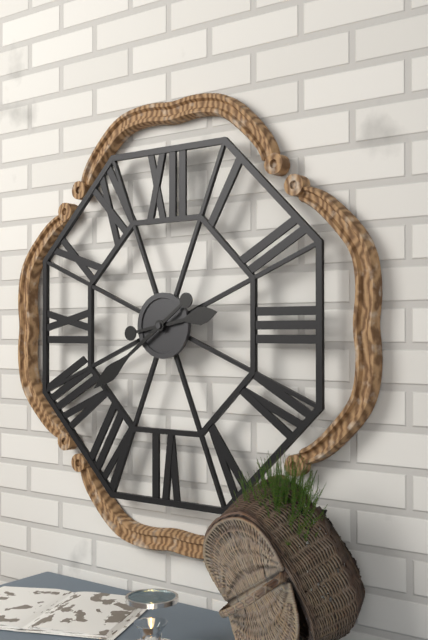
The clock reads 2.39
